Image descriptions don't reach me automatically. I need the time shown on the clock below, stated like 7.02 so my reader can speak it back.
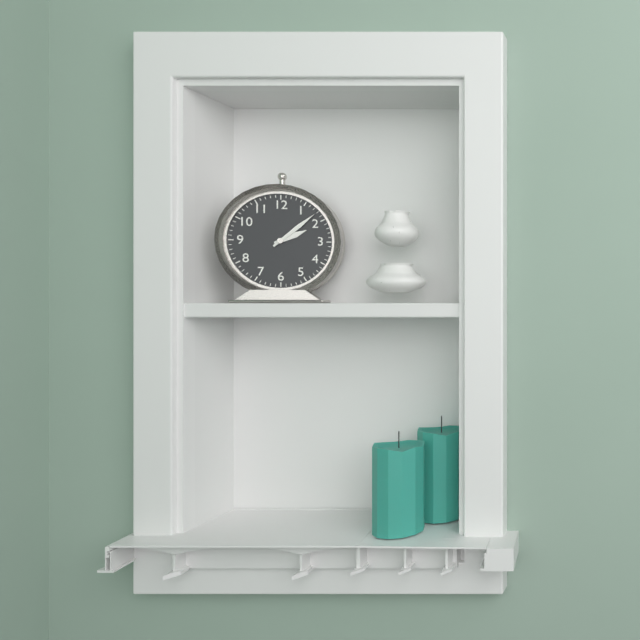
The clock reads 2.08
